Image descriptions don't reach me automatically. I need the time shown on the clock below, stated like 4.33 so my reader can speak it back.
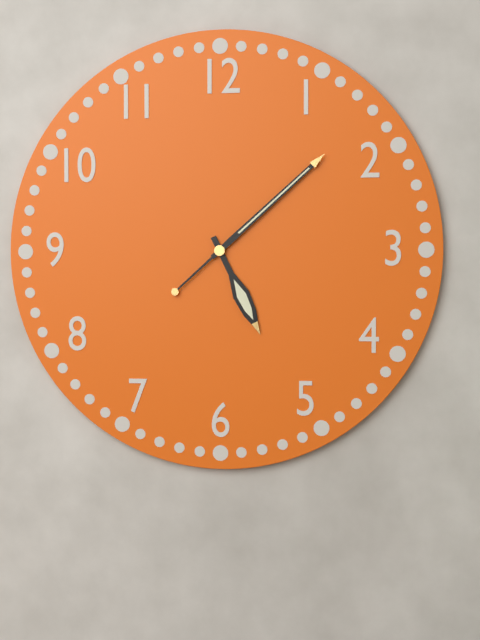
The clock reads 5.08
